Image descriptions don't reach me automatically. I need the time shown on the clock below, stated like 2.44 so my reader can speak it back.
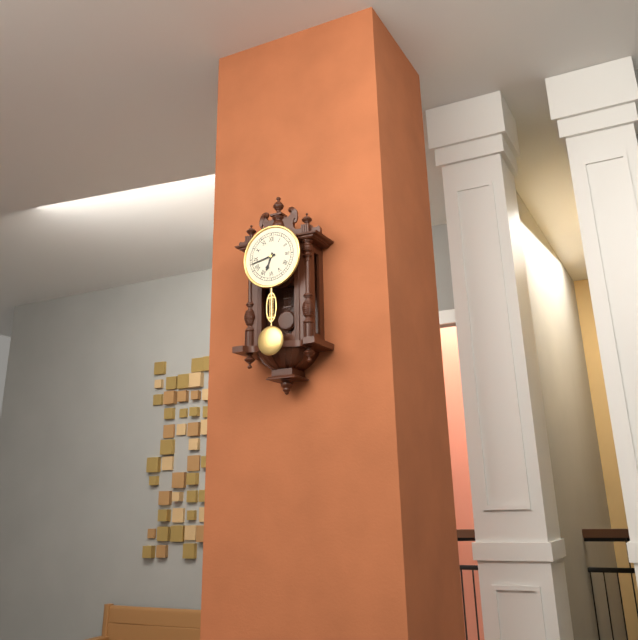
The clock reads 6.43
